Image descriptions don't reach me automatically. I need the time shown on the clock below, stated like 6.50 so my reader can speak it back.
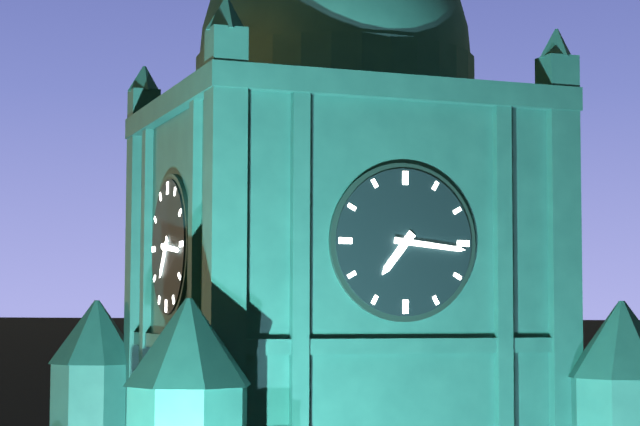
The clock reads 7.16
